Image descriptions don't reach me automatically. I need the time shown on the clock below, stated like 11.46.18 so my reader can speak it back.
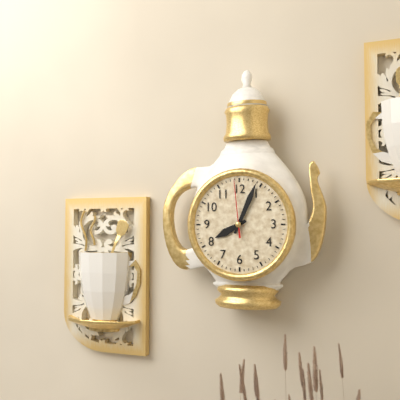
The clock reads 8.04.59
